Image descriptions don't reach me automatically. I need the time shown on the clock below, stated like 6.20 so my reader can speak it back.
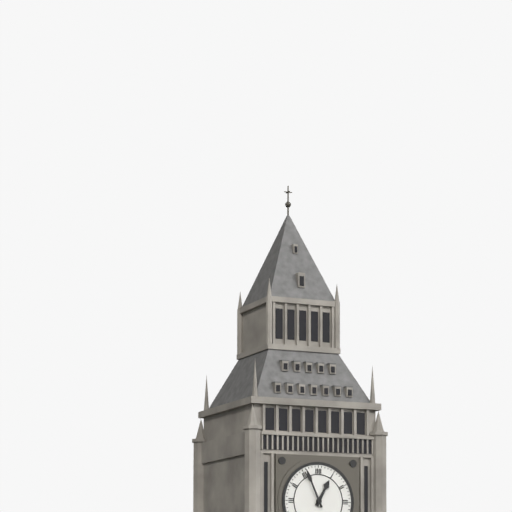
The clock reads 12.56
